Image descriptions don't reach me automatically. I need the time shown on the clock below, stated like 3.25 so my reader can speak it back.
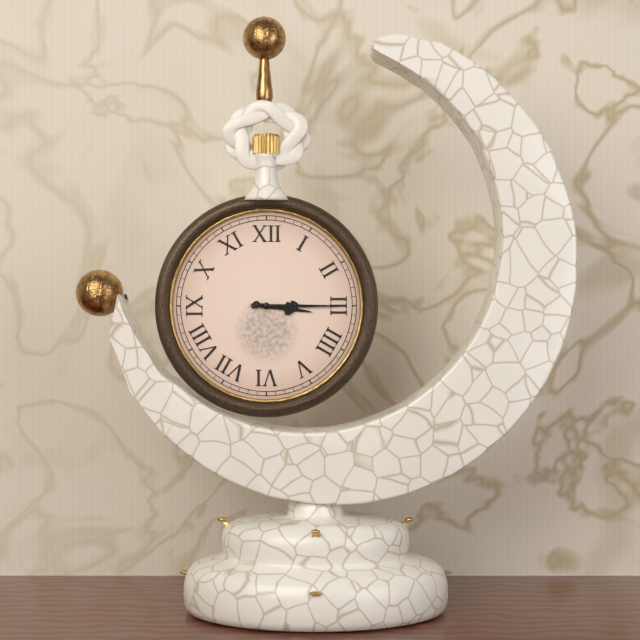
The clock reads 3.15
